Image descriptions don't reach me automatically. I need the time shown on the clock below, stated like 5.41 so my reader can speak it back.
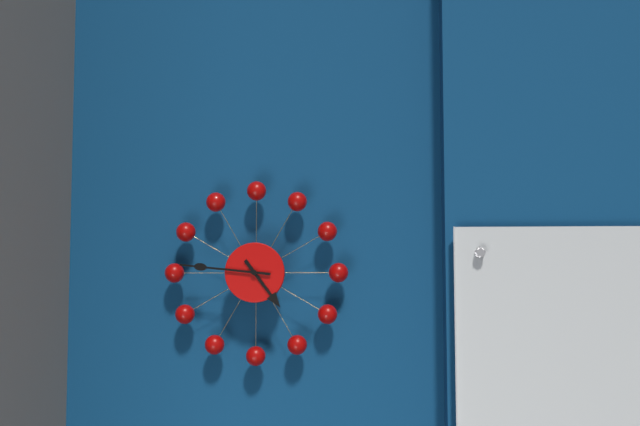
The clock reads 4.46
